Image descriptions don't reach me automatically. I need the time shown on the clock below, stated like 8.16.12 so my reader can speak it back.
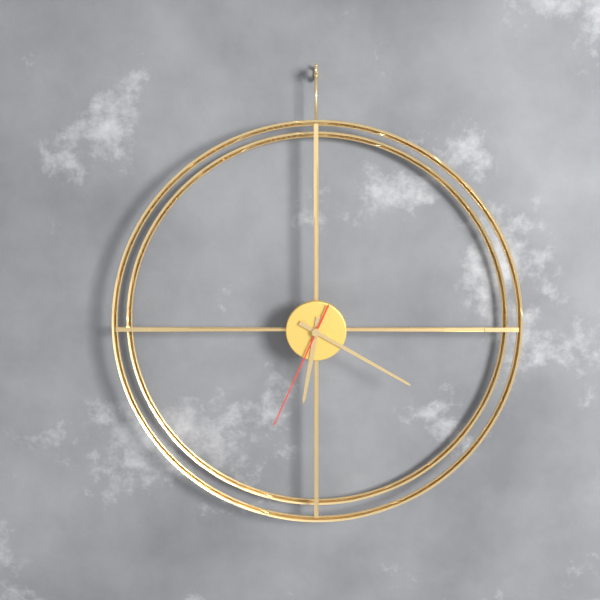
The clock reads 6.20.34
